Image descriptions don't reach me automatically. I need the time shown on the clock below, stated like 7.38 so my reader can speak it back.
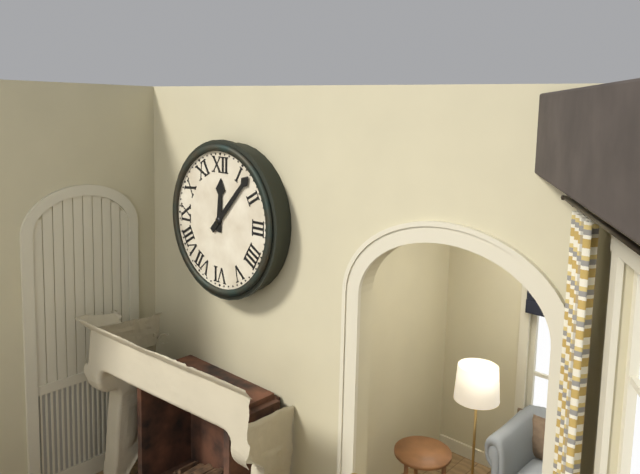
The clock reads 12.07
